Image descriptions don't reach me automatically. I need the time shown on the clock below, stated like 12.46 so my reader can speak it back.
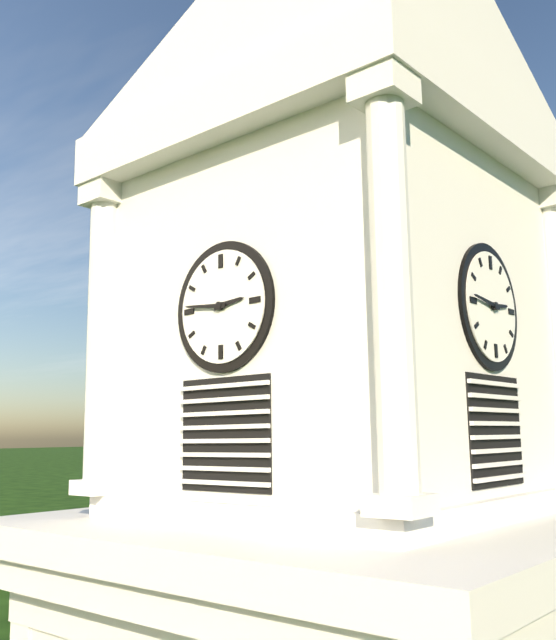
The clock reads 2.46
